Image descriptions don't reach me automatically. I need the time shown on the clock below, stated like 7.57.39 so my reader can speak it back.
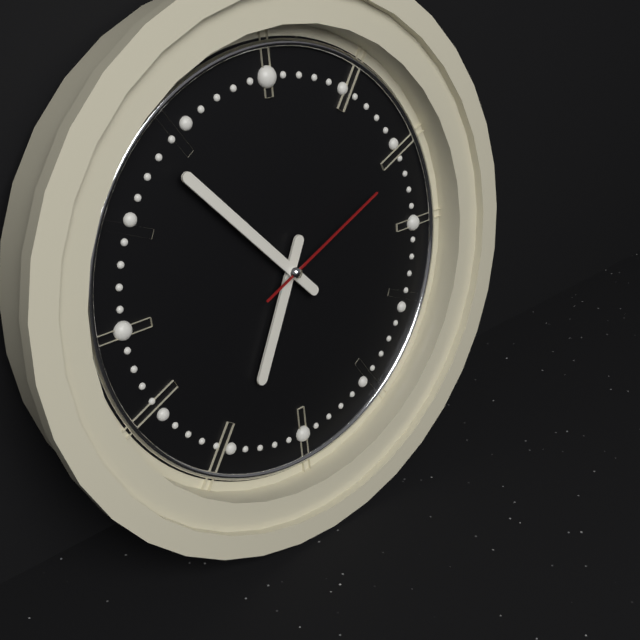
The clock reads 6.53.11
